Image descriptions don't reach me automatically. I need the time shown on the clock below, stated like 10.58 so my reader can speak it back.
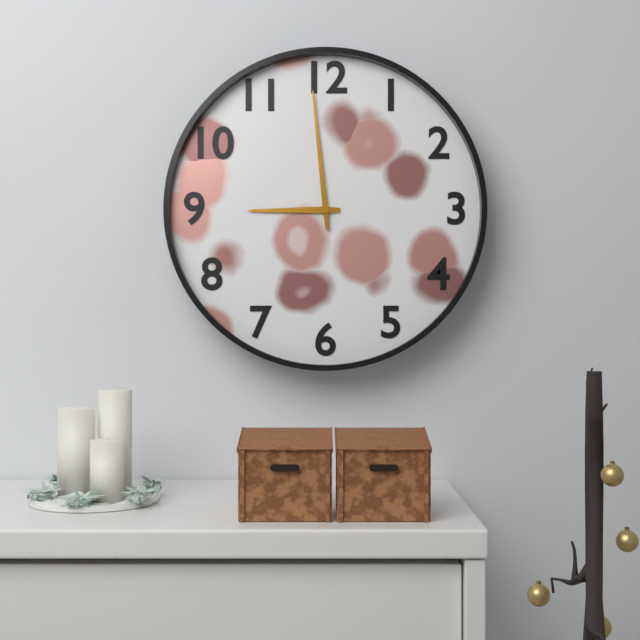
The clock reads 8.59
